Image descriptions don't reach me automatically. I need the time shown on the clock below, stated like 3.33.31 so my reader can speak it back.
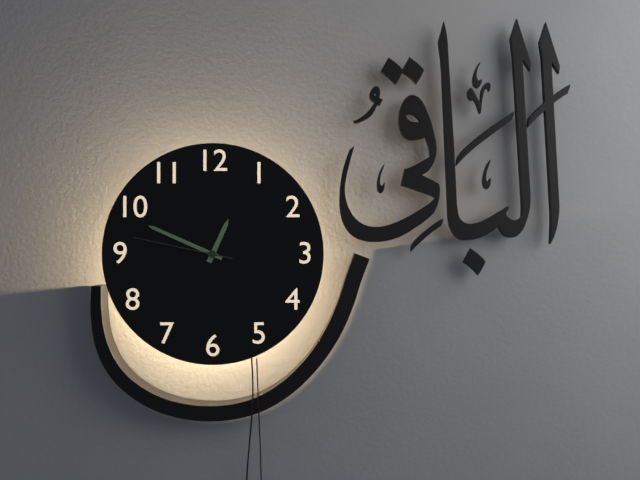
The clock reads 12.49.47
